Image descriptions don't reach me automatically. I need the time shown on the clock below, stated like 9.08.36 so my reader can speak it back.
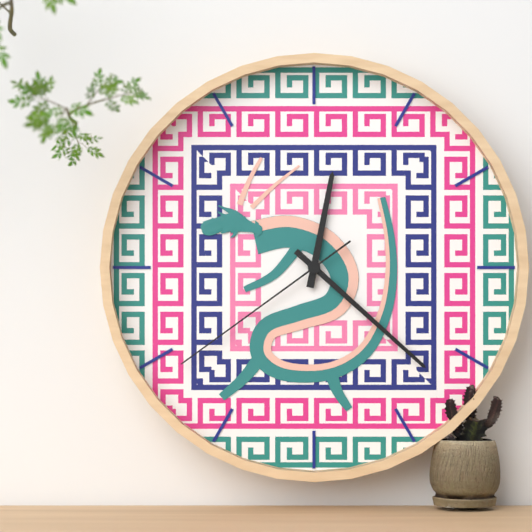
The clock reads 12.22.39
